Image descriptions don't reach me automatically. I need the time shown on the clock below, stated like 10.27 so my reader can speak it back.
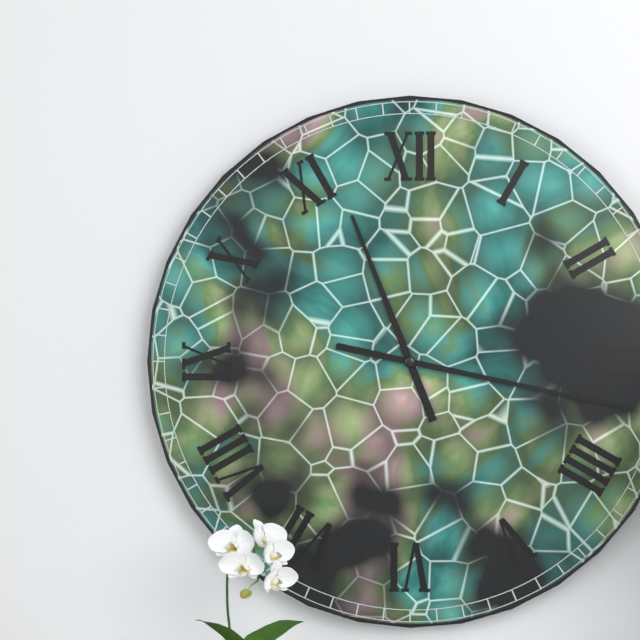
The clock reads 11.17
